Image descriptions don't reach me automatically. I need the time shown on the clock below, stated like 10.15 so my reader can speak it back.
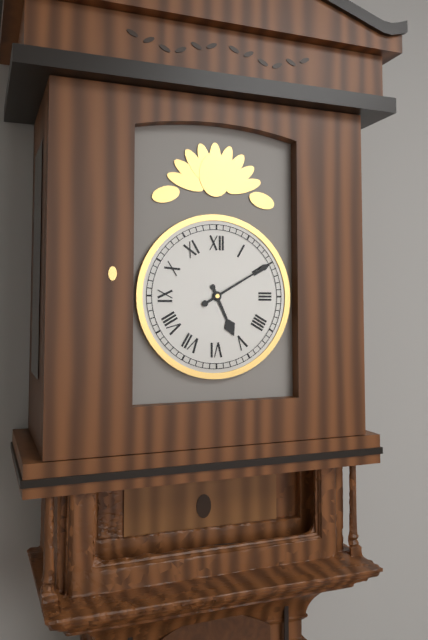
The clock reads 5.10
